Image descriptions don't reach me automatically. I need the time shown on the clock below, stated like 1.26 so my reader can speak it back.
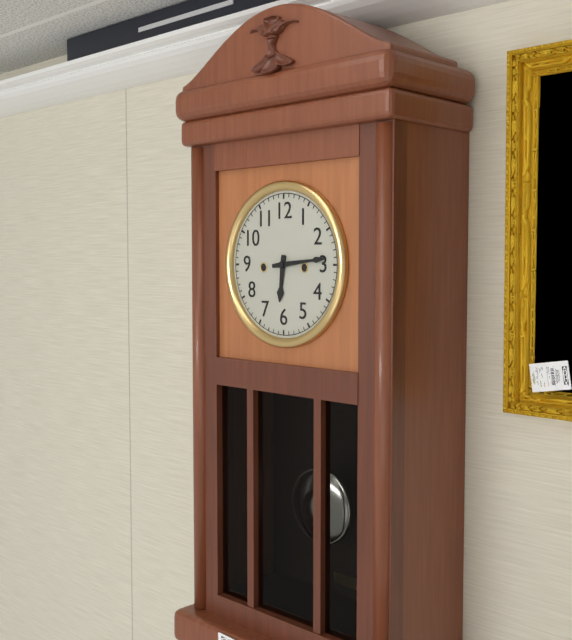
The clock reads 6.14
